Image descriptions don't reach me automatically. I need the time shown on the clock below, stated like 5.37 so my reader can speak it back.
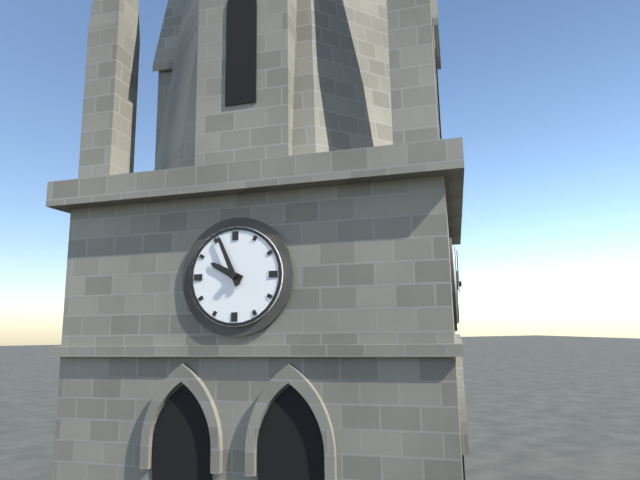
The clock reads 9.56
